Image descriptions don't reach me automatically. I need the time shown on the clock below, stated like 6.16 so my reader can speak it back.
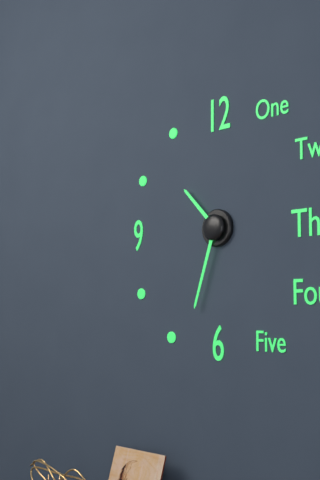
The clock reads 10.33
